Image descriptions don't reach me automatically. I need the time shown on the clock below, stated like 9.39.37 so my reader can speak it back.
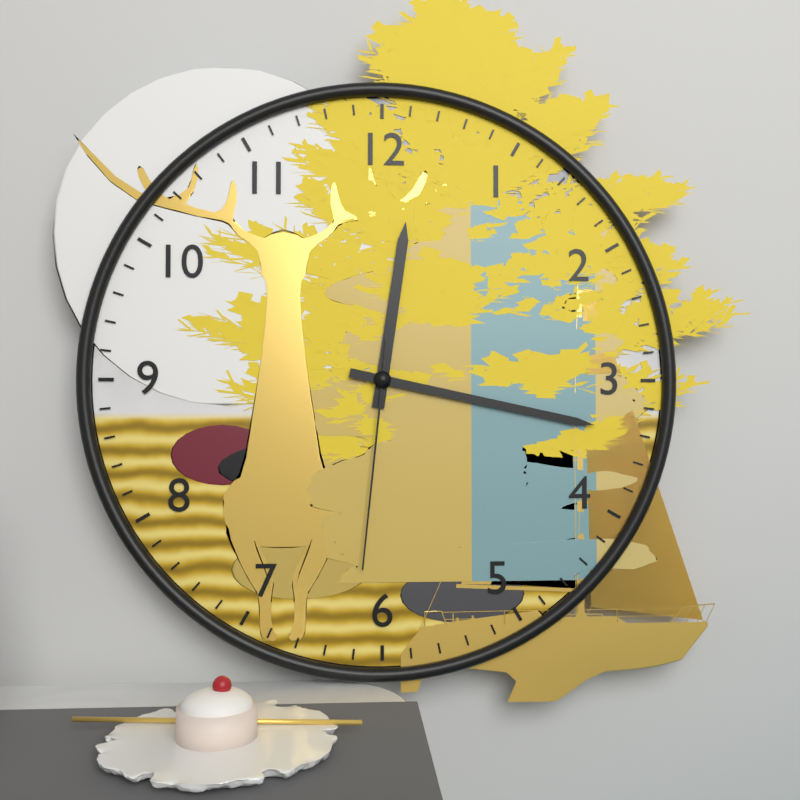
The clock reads 12.17.31
